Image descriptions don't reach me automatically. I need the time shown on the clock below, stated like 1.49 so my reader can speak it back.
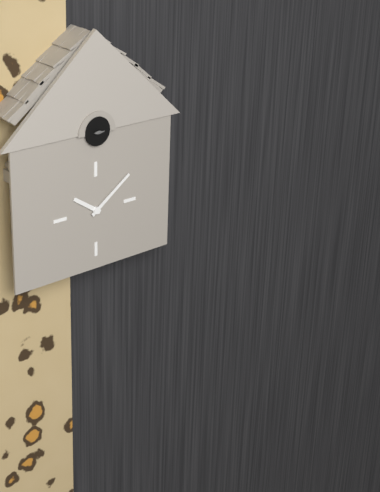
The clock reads 10.09
